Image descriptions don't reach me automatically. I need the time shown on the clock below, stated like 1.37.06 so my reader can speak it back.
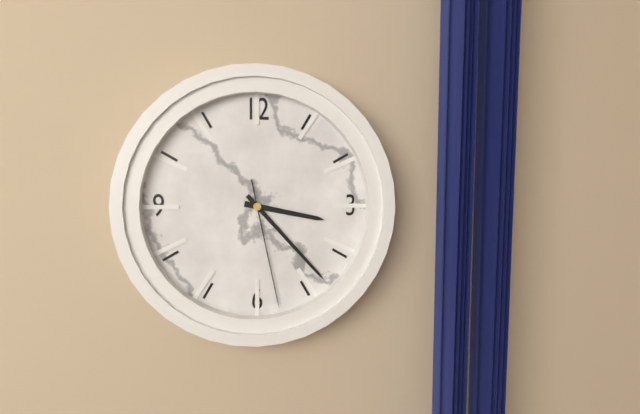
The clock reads 3.23.28
